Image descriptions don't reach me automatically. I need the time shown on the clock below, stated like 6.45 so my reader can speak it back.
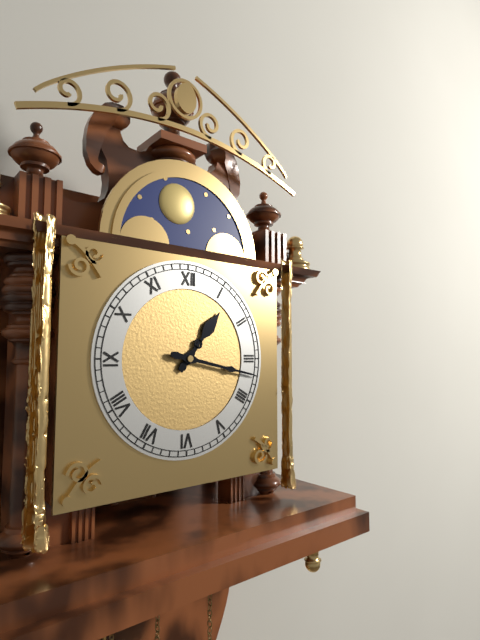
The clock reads 1.17
